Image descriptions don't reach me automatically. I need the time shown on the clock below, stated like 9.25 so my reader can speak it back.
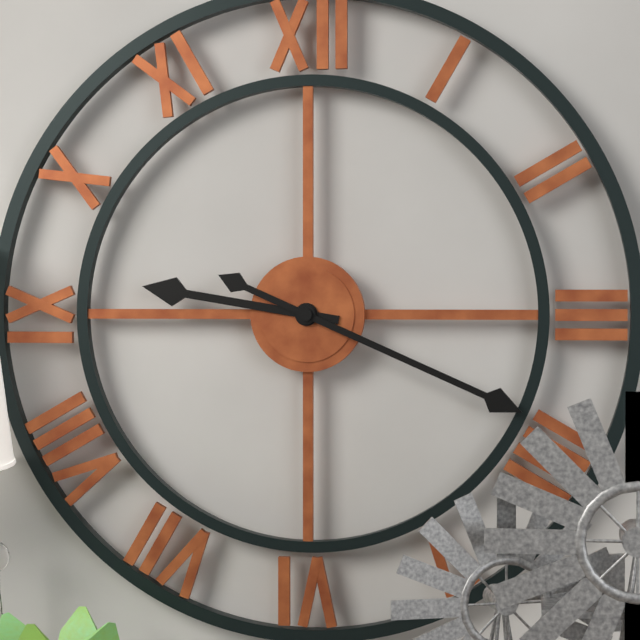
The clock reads 9.19
